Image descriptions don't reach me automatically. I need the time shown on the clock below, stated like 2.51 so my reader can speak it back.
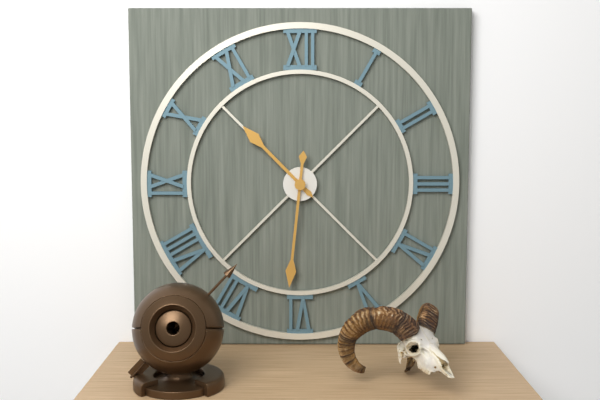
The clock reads 10.31
